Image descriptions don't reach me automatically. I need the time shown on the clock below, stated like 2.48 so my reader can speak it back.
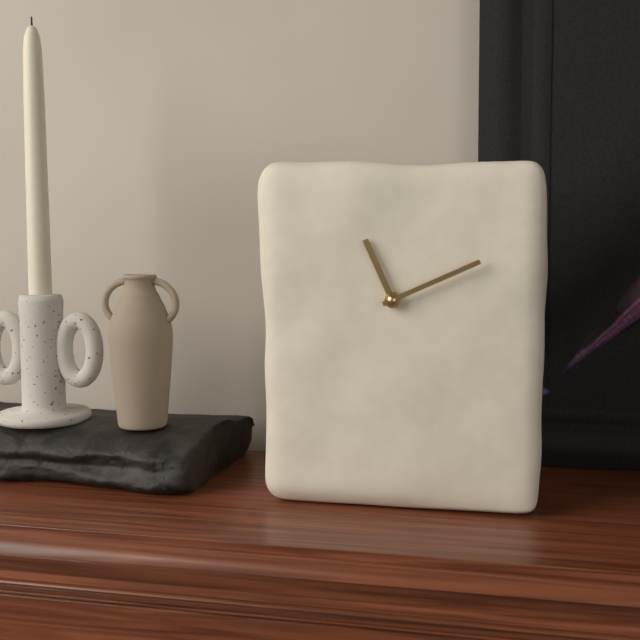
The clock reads 11.11
